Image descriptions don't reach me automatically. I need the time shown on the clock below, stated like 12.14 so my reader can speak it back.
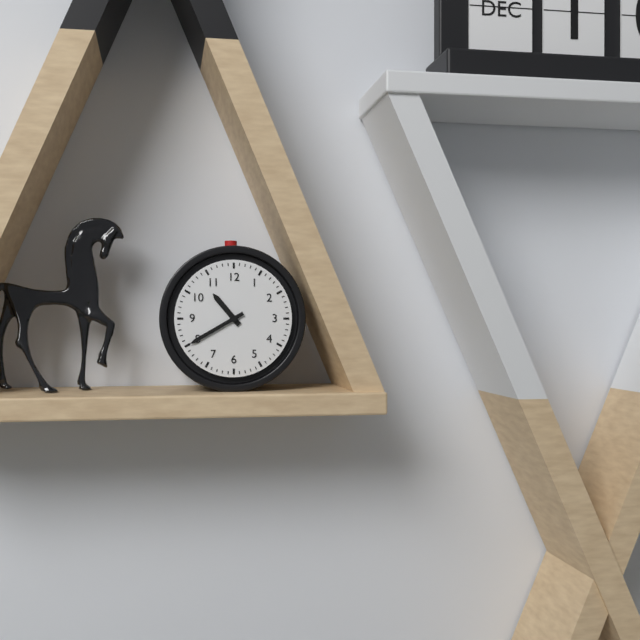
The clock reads 10.40
